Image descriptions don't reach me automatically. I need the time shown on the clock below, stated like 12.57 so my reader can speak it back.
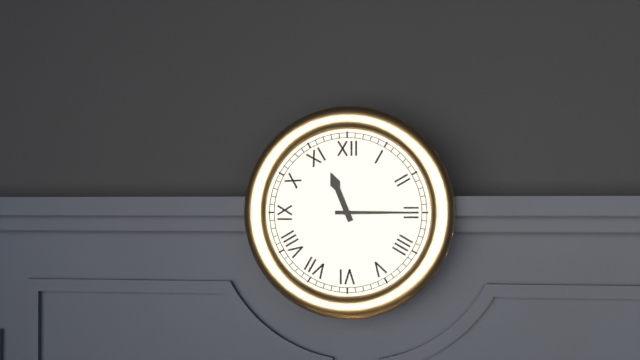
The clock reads 11.15
